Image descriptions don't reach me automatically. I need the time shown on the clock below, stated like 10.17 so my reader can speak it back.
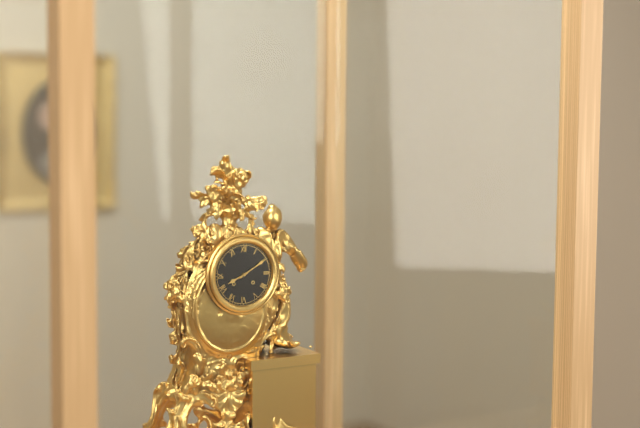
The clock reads 8.10
